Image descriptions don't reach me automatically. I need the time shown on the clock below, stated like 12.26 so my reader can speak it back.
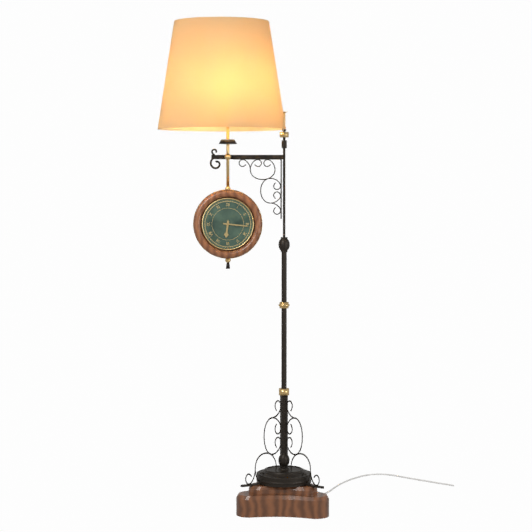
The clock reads 6.16
